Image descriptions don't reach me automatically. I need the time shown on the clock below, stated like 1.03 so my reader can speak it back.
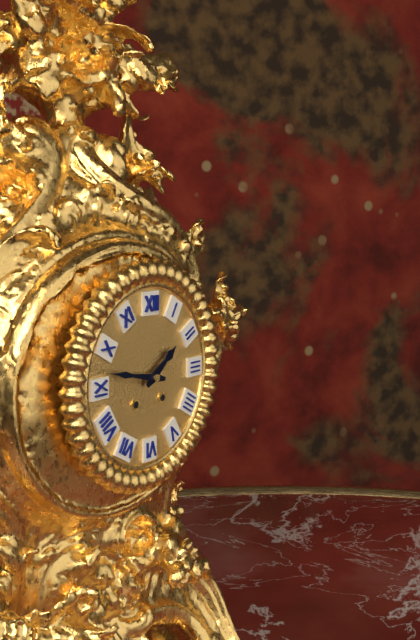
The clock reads 1.47
